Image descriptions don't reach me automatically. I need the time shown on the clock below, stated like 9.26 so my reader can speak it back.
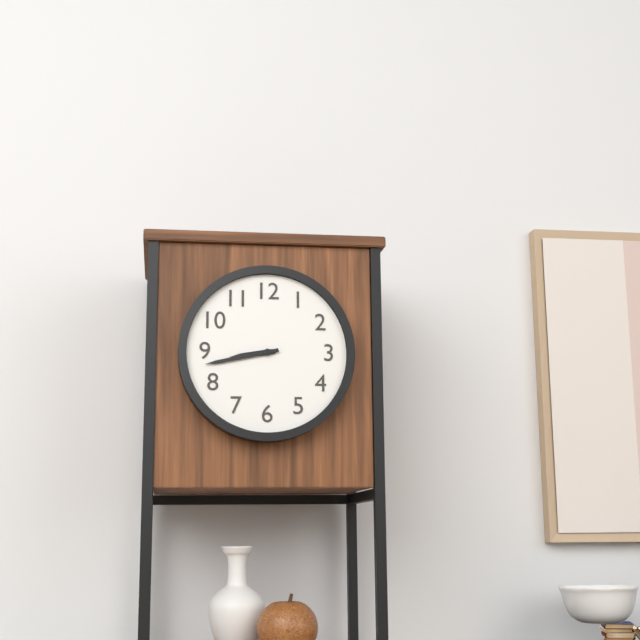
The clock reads 8.43
